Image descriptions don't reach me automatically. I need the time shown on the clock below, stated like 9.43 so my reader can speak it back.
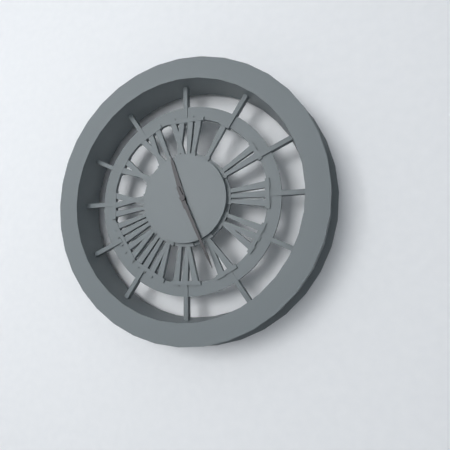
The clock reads 11.26
